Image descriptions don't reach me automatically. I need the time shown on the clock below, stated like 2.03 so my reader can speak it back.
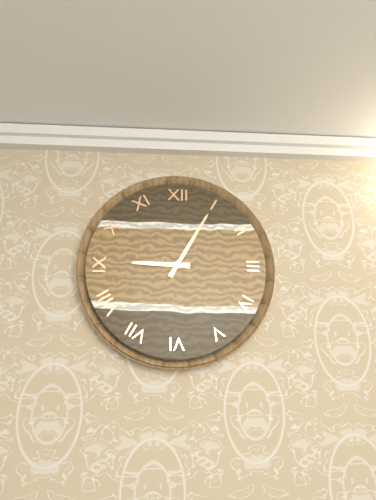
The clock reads 9.05
